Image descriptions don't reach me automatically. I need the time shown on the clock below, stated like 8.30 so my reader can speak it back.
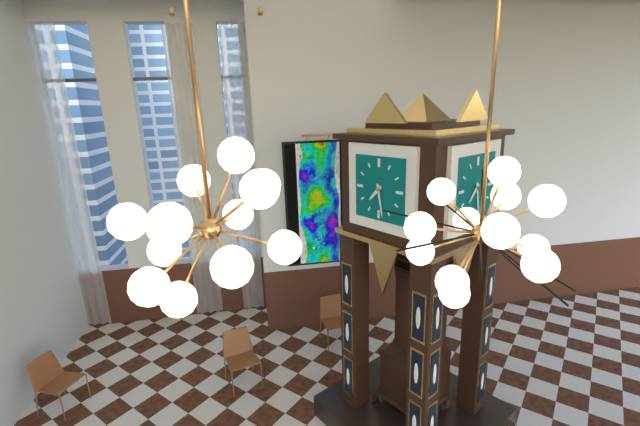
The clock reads 7.28
